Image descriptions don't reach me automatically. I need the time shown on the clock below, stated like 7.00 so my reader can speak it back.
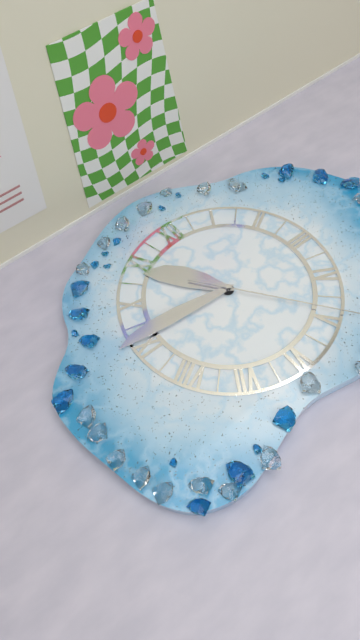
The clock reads 10.46
